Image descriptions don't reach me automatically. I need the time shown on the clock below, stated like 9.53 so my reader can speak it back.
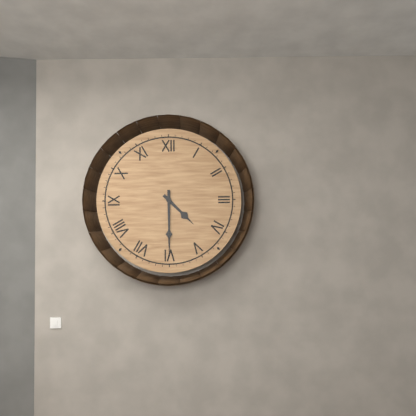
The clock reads 4.30
